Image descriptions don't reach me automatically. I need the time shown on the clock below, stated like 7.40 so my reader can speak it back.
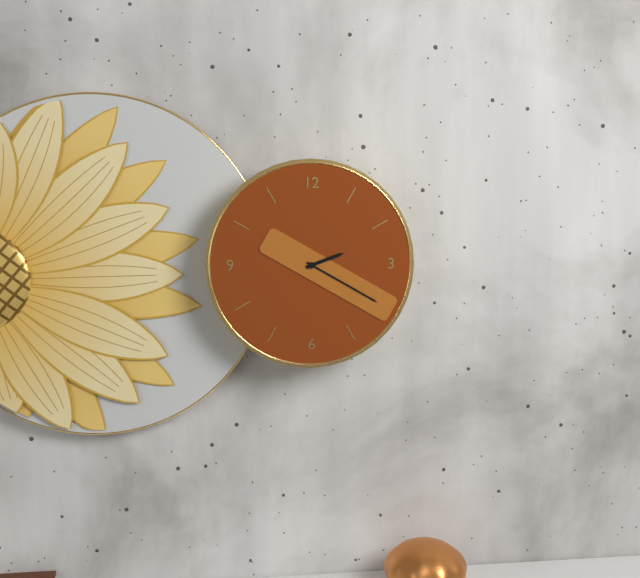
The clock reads 2.20
